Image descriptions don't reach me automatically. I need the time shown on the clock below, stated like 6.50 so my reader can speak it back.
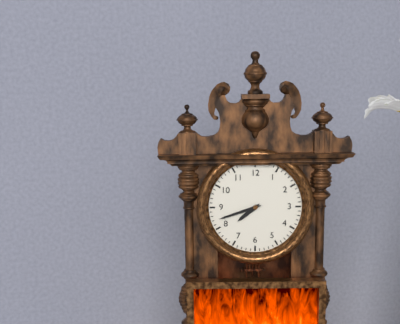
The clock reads 7.42
